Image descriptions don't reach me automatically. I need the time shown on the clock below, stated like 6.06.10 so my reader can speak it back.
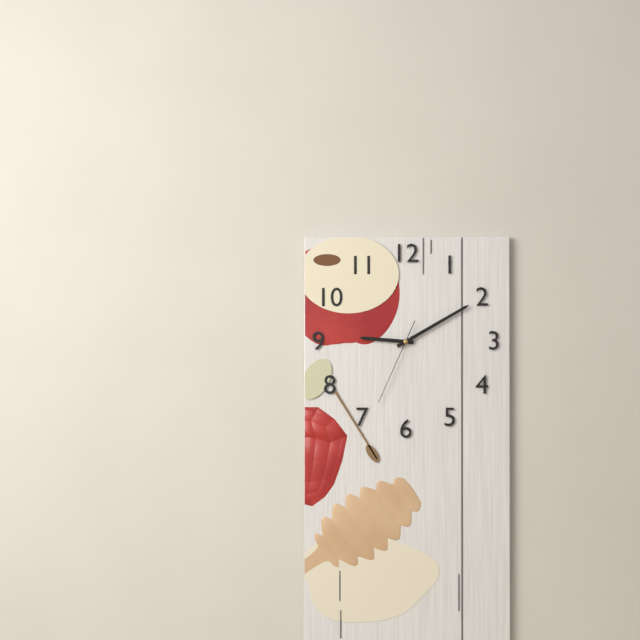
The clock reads 9.10.34
